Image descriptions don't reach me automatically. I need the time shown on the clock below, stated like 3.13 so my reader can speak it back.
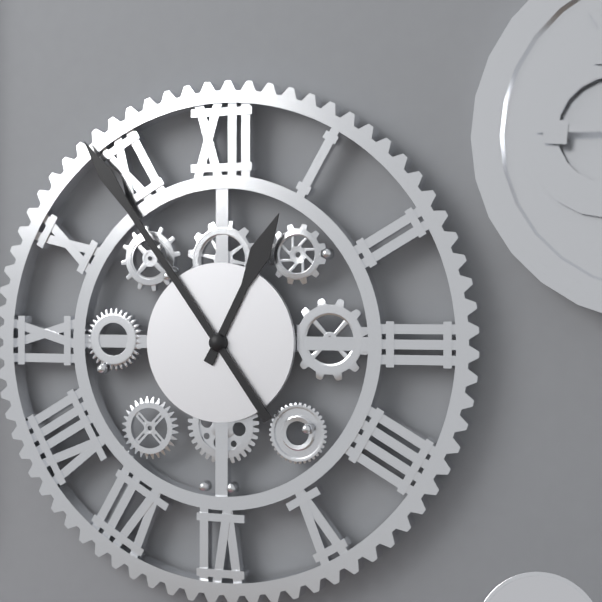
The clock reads 12.54
